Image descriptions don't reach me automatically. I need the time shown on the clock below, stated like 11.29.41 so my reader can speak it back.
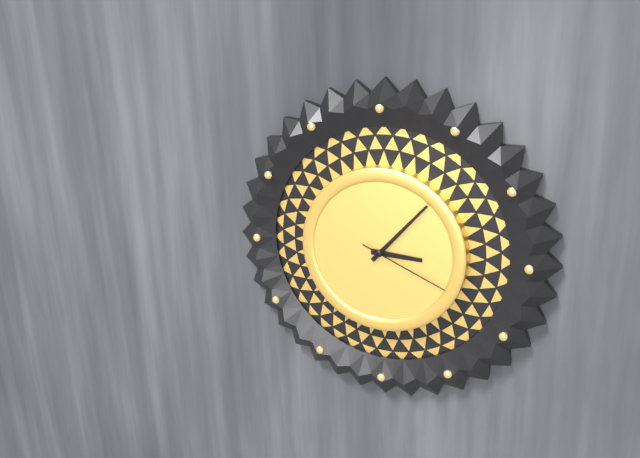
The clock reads 3.07.19
